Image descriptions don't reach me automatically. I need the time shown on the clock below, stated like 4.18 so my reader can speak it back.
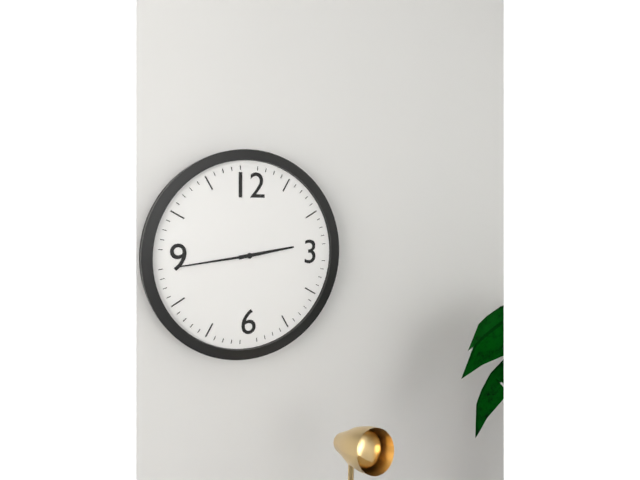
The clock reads 2.44
